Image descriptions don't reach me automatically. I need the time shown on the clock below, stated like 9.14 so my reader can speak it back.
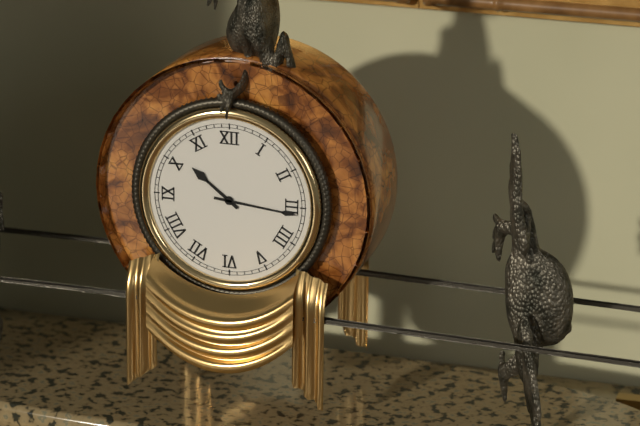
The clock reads 10.16
